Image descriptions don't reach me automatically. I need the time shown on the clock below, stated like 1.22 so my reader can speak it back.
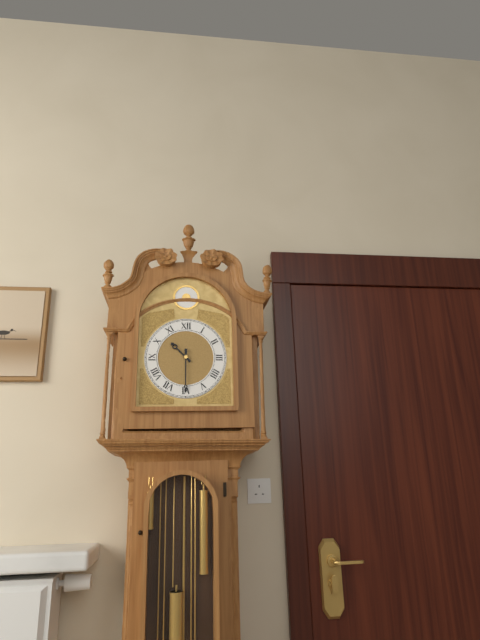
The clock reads 10.30
